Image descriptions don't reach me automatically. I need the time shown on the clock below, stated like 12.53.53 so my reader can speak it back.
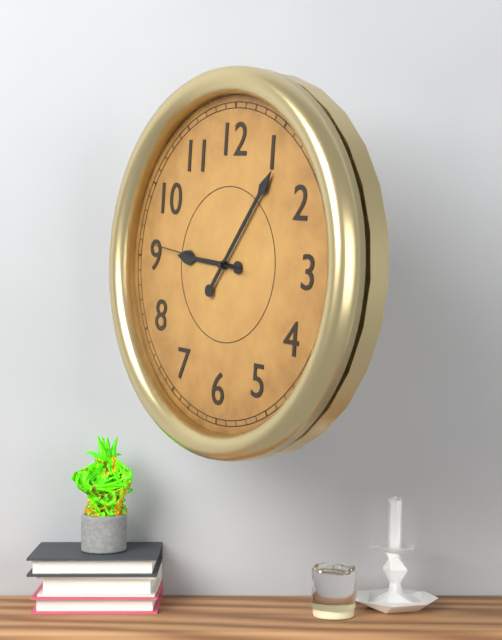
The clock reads 9.06.46
